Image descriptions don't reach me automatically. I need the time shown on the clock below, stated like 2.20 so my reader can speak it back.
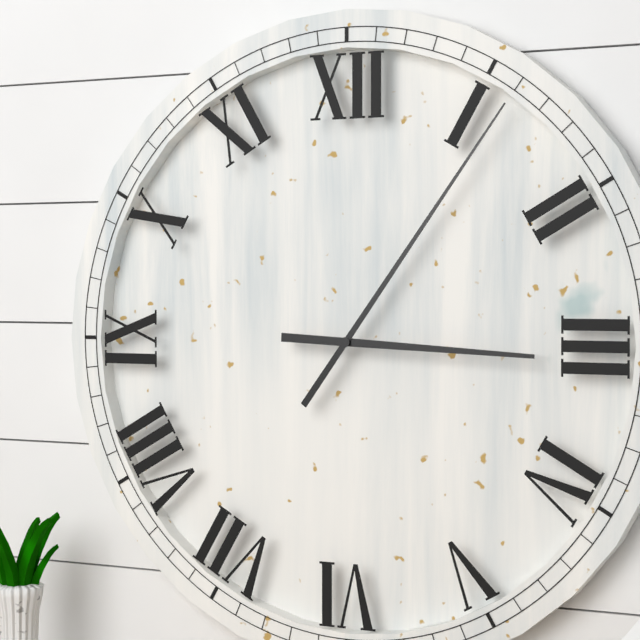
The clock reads 3.06
